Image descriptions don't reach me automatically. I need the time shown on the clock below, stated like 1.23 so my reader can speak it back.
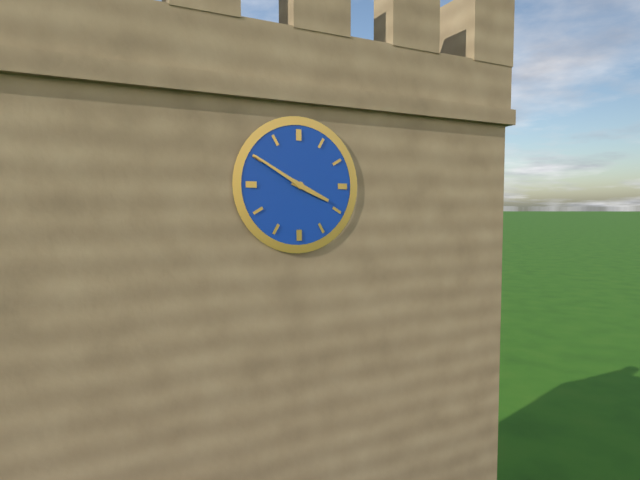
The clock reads 3.50
